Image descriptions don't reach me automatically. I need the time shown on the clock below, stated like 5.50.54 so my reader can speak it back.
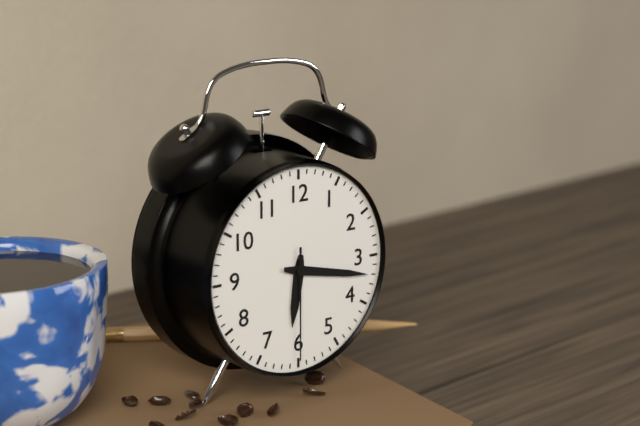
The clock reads 6.17.30
